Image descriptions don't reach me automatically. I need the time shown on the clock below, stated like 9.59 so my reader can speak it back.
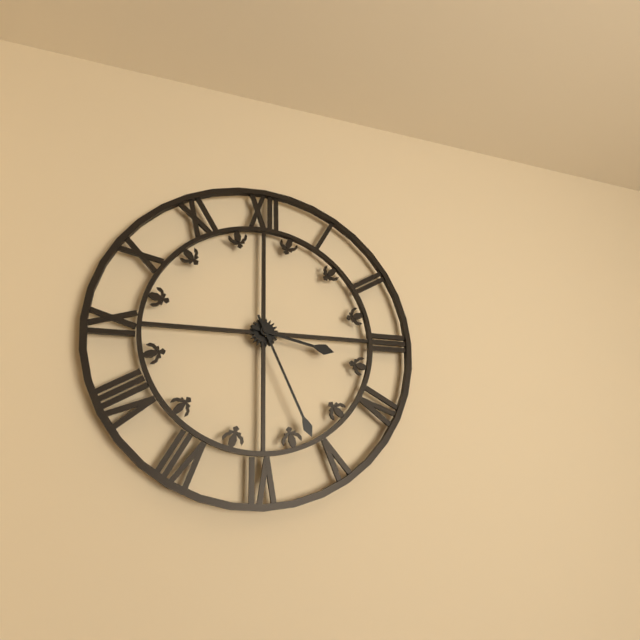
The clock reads 3.26
